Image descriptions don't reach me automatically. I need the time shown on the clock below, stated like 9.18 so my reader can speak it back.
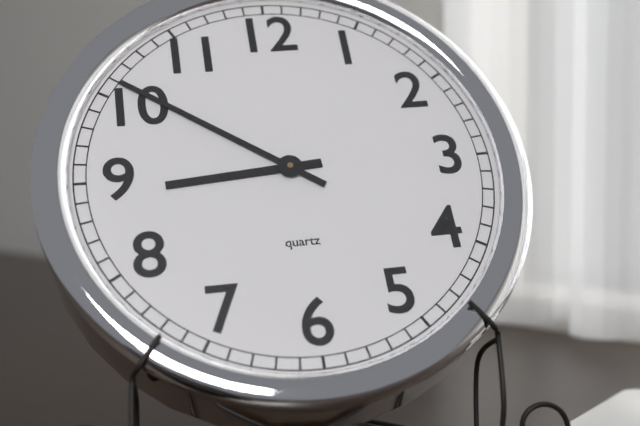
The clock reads 8.51
